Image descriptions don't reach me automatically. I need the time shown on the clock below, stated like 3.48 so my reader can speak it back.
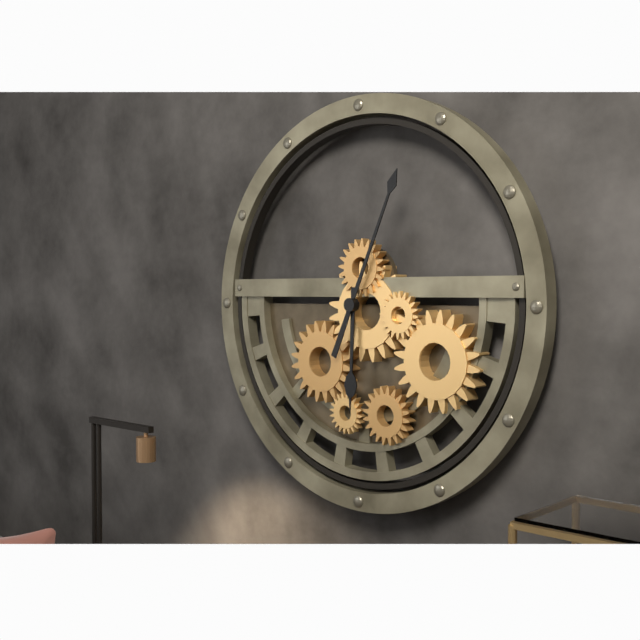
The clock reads 6.04
